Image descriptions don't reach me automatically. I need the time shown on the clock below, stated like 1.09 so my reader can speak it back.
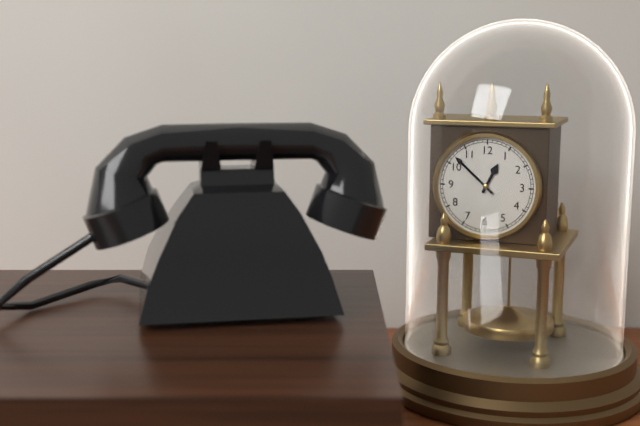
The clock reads 12.52
